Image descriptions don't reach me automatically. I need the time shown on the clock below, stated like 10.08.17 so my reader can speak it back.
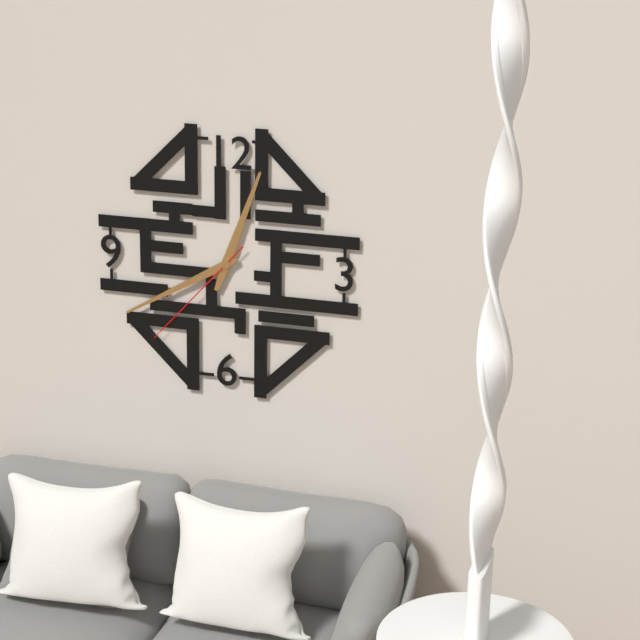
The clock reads 12.40.37
